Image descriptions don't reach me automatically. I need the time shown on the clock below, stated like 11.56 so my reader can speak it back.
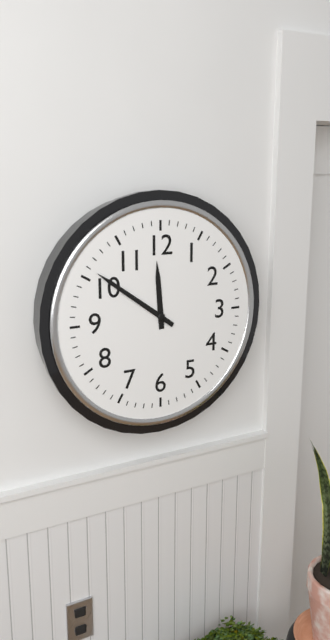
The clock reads 11.51
